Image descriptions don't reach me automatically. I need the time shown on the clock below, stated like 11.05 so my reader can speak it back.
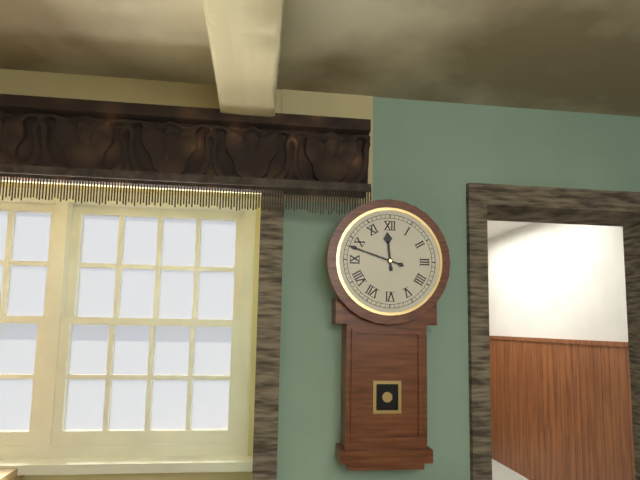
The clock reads 11.48
